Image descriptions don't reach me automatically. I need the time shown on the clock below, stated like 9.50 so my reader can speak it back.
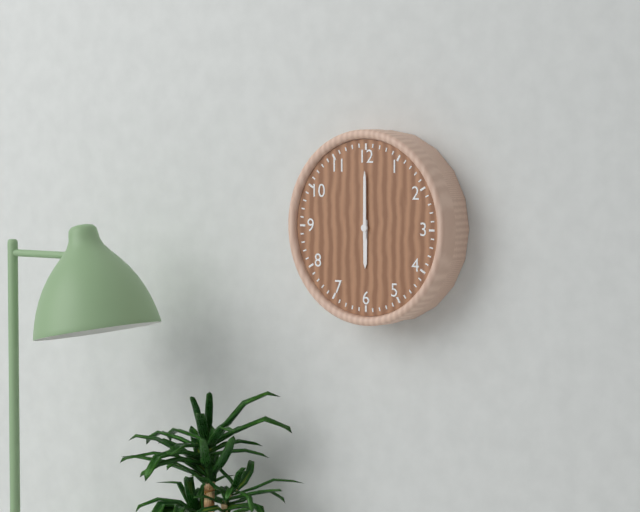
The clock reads 6.00
